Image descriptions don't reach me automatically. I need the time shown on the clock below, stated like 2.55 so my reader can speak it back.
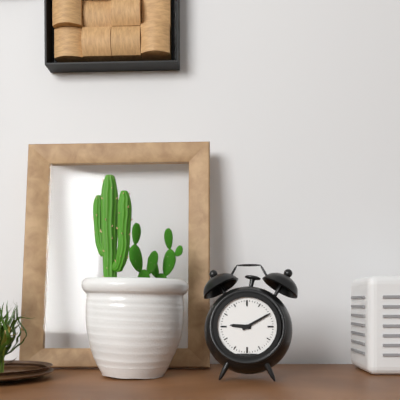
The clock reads 9.10
